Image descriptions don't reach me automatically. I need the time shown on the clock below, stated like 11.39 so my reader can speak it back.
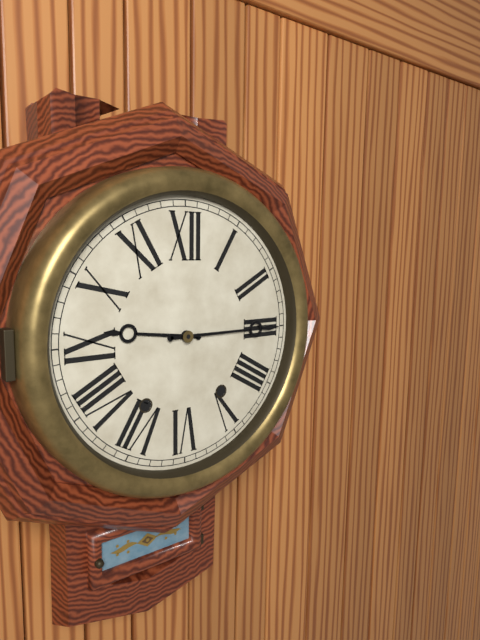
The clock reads 9.15
